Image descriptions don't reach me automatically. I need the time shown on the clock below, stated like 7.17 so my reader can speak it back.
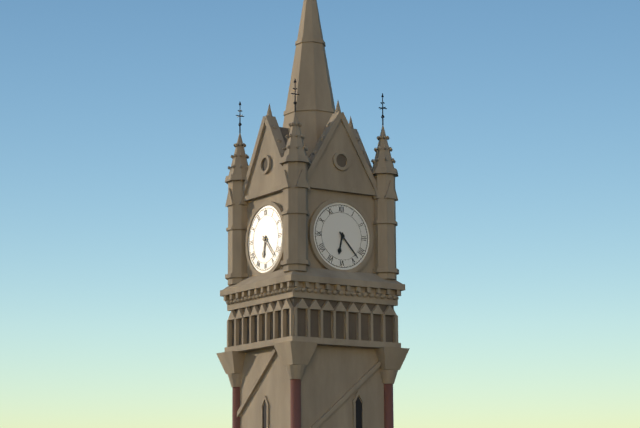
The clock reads 6.23
